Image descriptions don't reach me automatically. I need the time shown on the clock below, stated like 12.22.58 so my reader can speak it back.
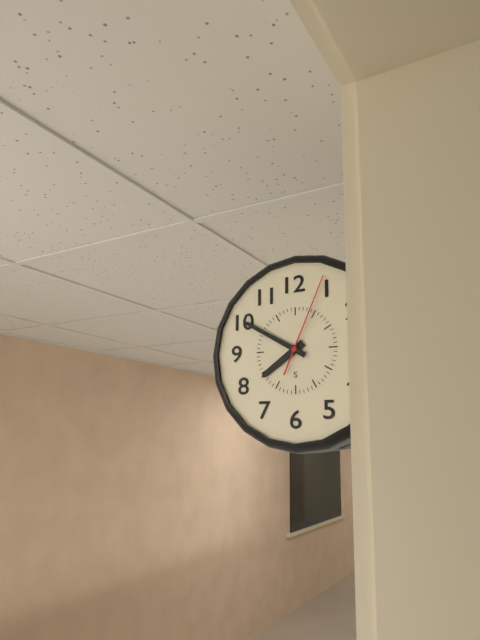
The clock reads 7.50.04
